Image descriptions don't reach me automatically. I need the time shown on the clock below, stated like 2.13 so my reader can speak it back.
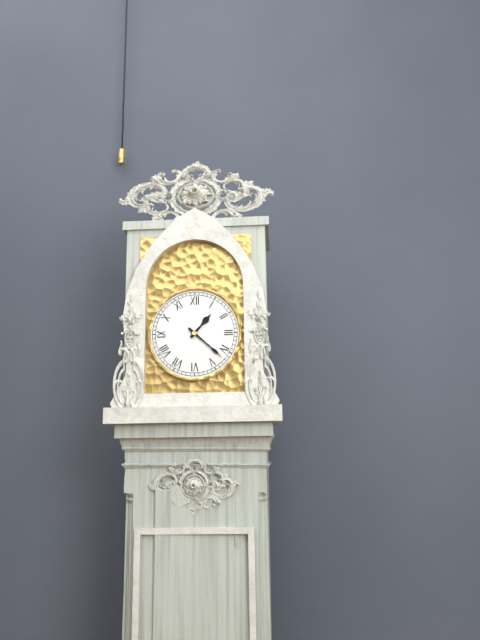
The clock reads 1.22
